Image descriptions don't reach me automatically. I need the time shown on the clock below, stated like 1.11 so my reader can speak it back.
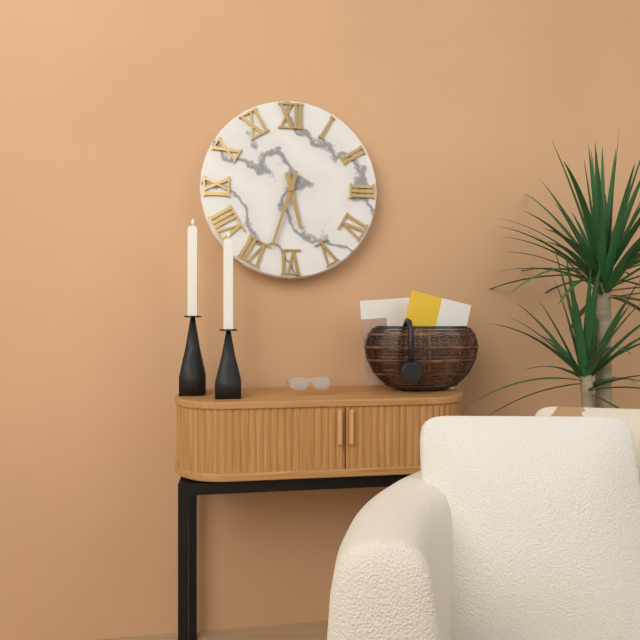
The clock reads 5.33
